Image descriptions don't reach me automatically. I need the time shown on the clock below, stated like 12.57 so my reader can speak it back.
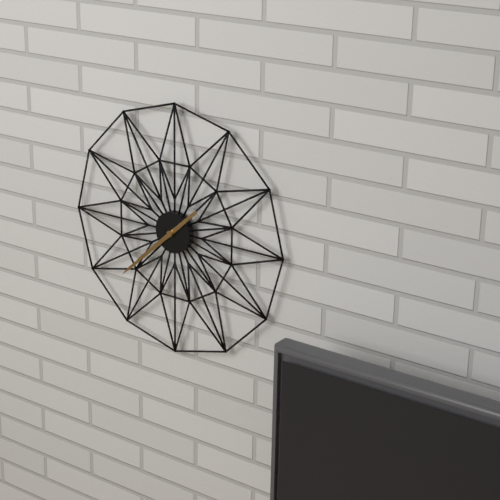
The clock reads 7.38
